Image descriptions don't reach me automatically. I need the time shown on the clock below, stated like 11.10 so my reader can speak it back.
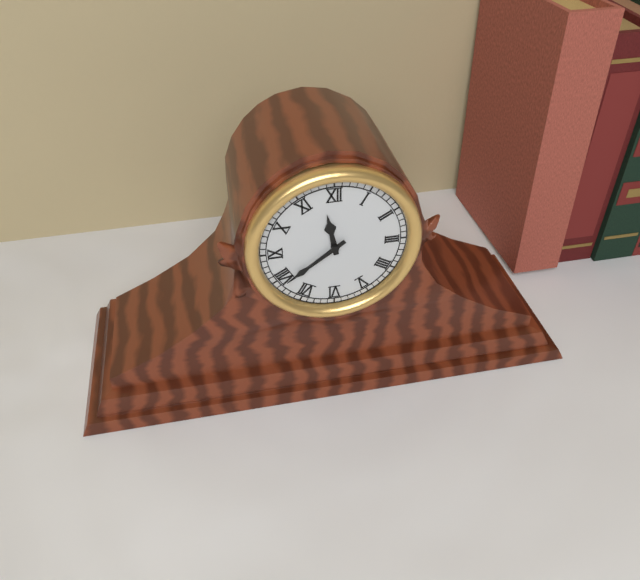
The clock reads 11.39
